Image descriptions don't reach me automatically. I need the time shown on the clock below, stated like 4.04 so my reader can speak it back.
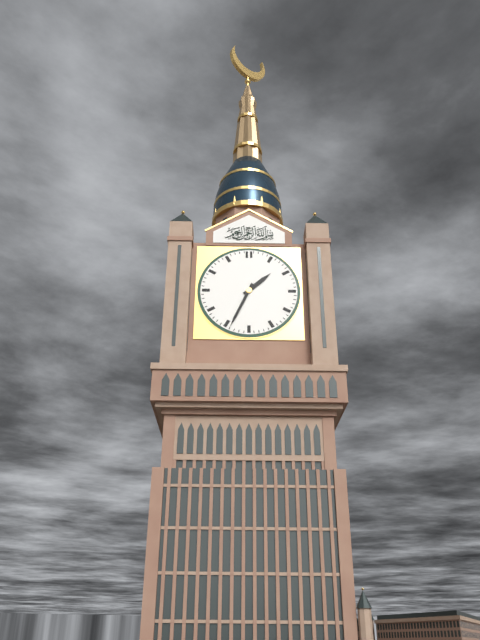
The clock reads 1.34
